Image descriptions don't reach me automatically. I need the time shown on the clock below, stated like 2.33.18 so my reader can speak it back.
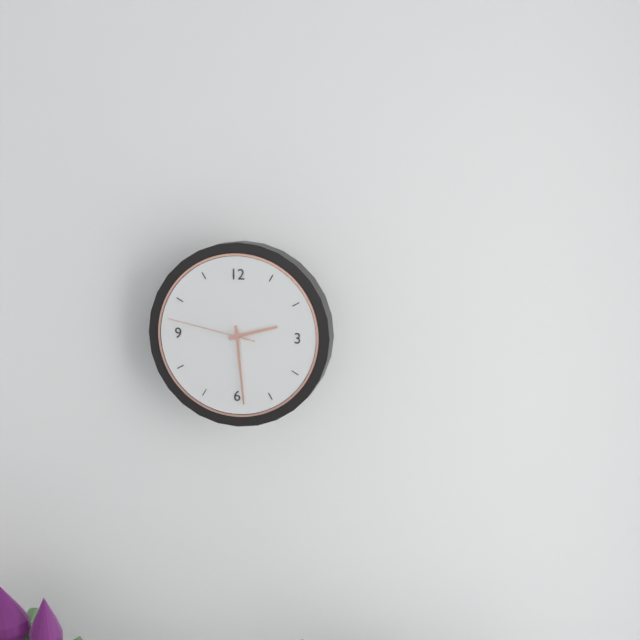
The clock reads 2.29.47
